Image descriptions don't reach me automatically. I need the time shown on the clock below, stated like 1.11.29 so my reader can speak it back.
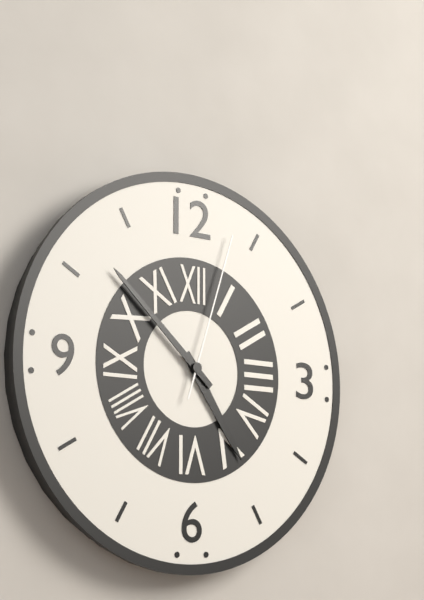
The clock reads 4.52.03
